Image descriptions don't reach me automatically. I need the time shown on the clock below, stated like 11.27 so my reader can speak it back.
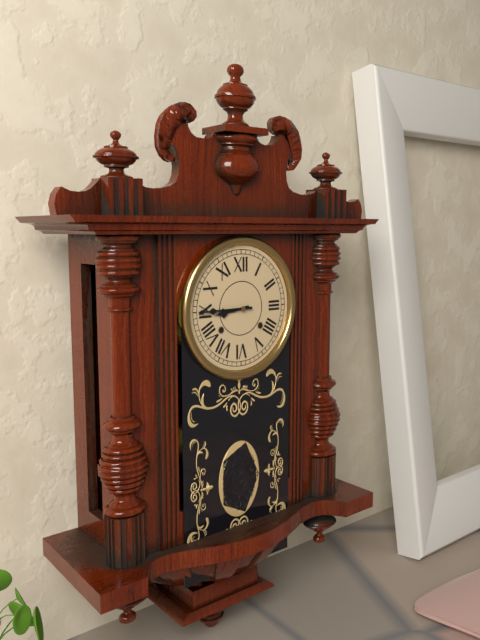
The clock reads 8.45
